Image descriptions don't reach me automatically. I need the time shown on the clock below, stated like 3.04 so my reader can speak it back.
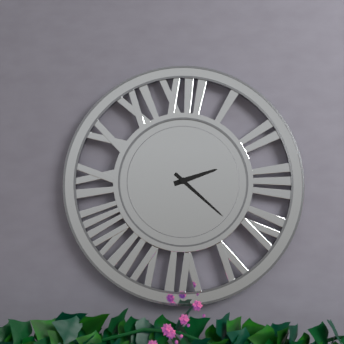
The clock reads 2.22
